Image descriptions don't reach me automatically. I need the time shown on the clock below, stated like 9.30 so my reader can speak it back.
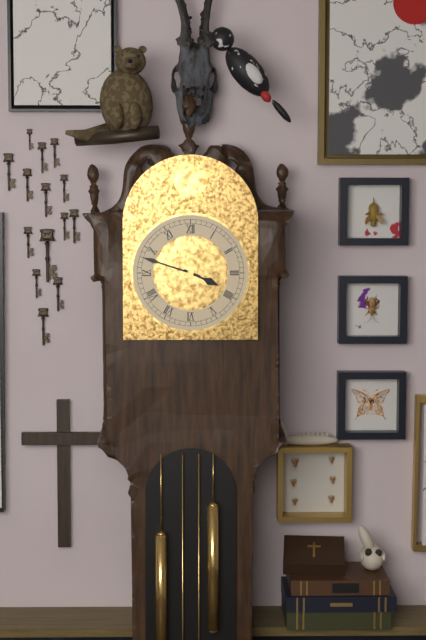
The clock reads 3.48
